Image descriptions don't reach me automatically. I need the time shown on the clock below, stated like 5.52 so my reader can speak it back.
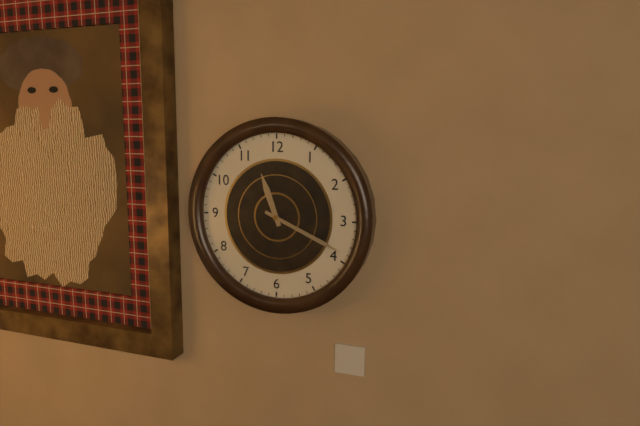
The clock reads 11.19
